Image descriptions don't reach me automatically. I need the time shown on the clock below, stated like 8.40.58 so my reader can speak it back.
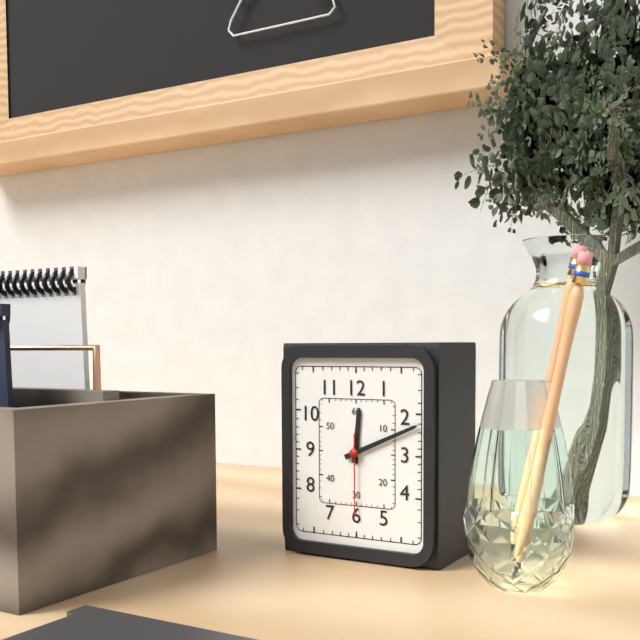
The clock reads 12.11.30
